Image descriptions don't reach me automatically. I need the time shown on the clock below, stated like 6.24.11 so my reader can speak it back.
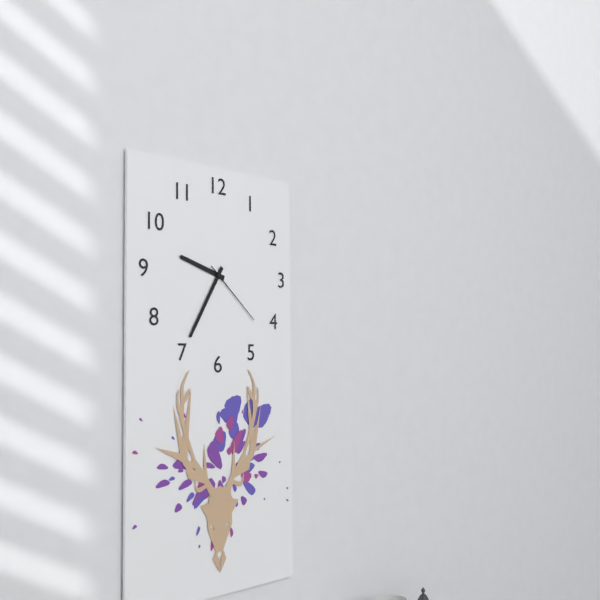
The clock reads 9.35.22
